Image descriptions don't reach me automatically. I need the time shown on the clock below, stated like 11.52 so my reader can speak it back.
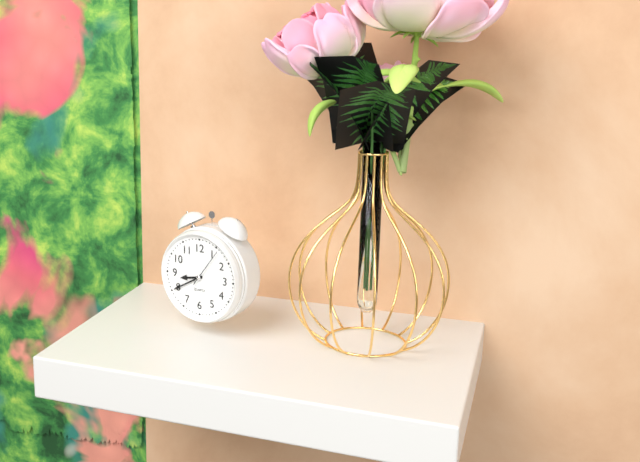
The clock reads 8.40
